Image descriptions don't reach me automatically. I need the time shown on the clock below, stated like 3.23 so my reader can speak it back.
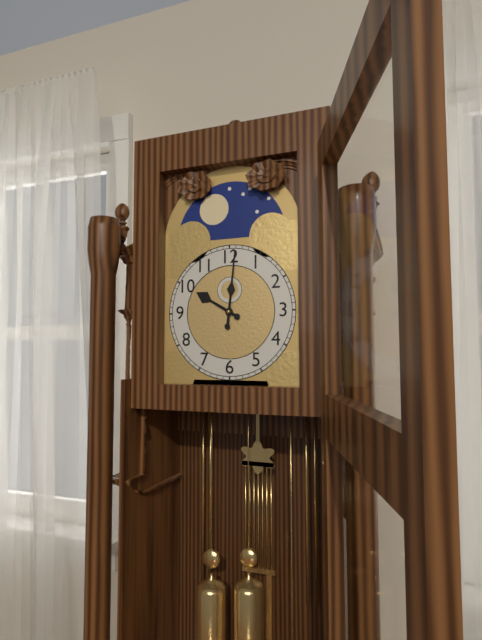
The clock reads 10.01
